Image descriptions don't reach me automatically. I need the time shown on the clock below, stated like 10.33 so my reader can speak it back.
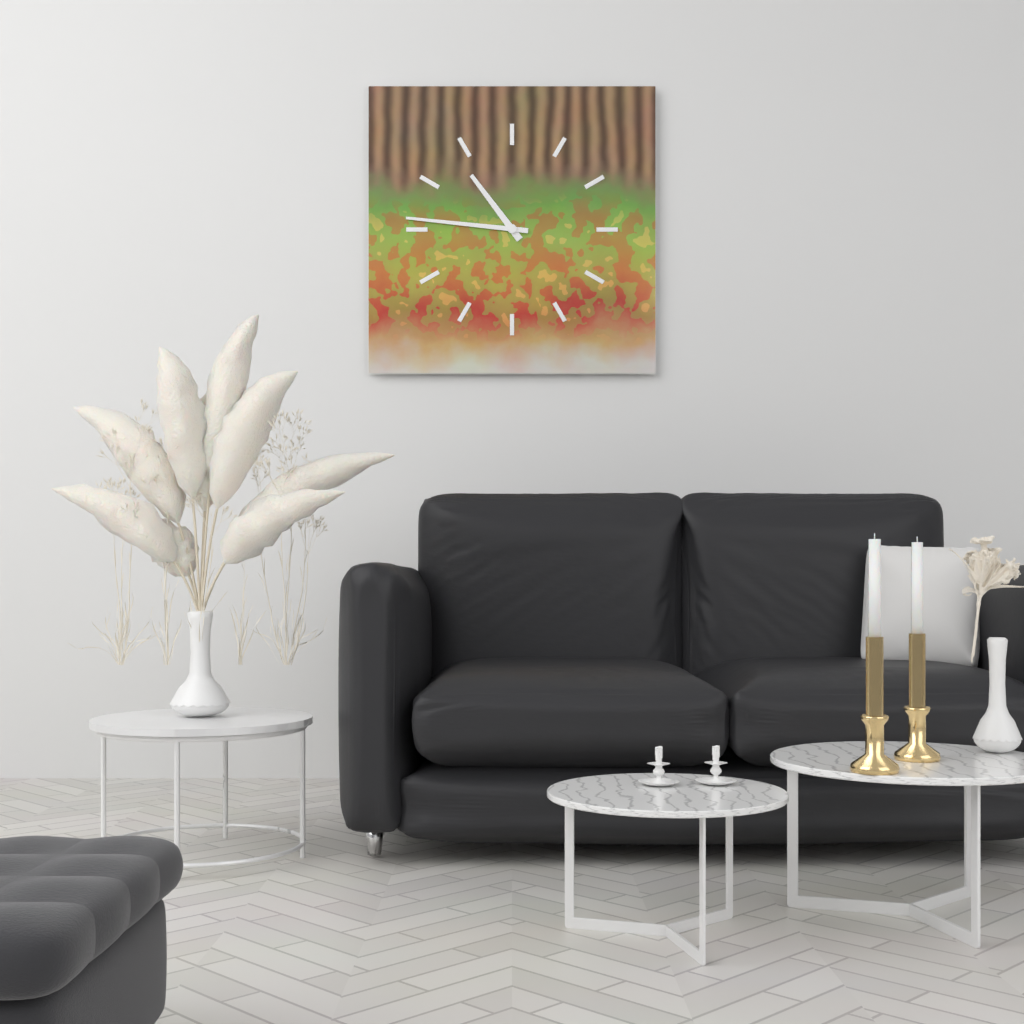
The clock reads 10.46
